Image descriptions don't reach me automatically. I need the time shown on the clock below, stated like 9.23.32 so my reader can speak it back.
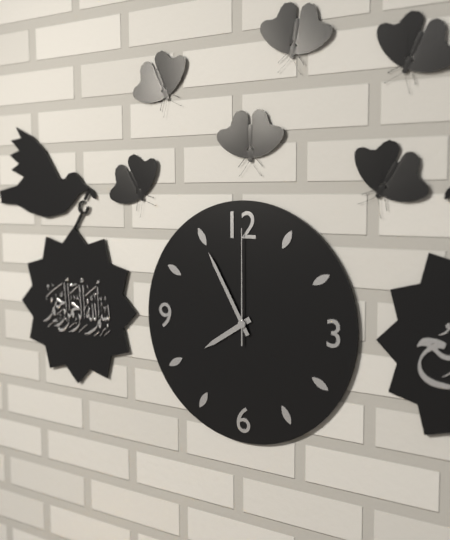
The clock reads 7.55.00
